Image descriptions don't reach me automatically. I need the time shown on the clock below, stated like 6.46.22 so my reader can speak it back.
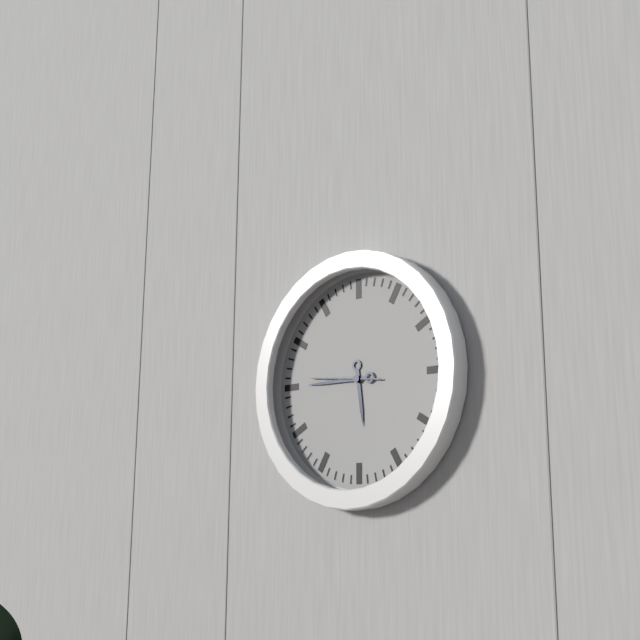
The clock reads 5.45.46
